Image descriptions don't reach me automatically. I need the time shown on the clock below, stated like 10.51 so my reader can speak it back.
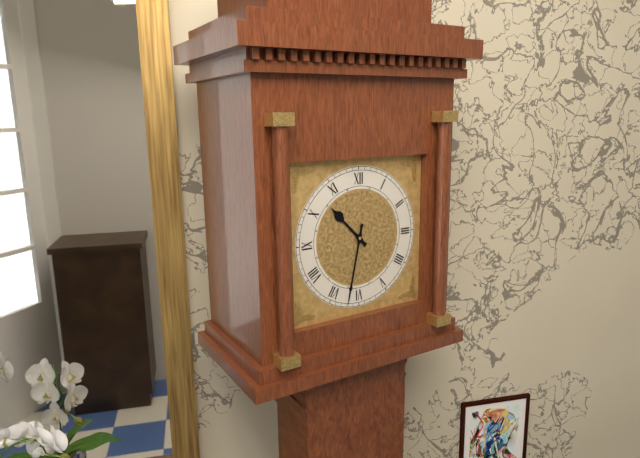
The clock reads 10.32
